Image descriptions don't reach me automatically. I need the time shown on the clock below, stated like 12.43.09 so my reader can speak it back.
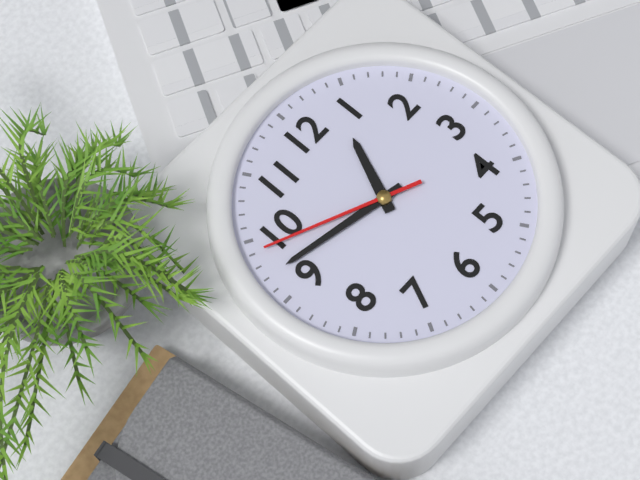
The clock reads 12.47.49
